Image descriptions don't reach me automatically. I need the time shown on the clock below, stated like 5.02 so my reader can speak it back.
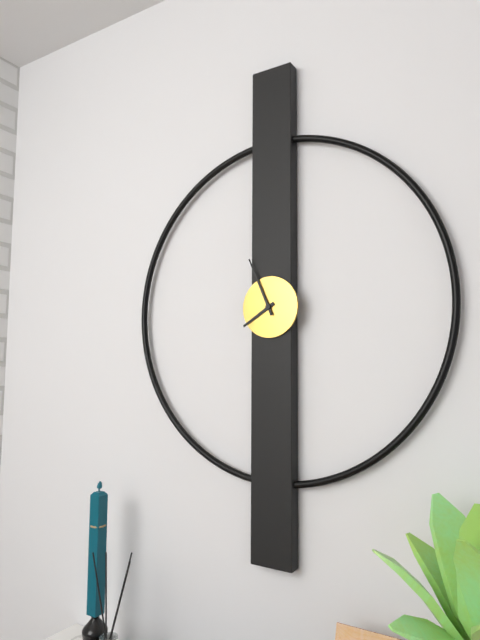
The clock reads 7.56
